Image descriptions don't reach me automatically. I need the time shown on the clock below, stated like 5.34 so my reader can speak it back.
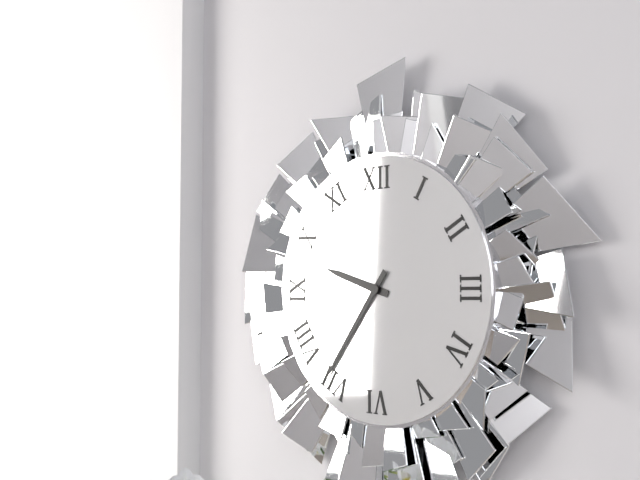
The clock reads 9.36
